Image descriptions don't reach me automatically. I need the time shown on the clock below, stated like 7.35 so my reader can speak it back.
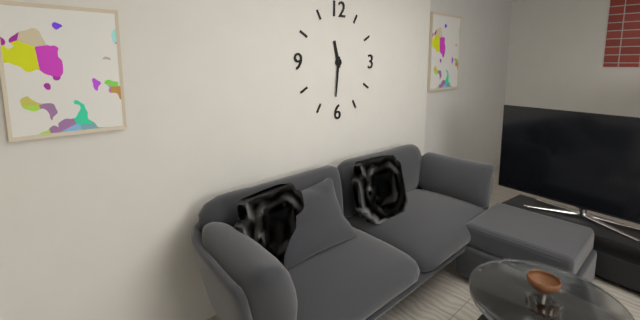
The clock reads 11.31
